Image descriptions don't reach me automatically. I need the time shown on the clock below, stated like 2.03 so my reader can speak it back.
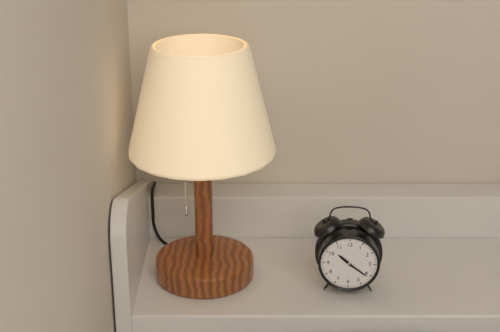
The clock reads 10.21
